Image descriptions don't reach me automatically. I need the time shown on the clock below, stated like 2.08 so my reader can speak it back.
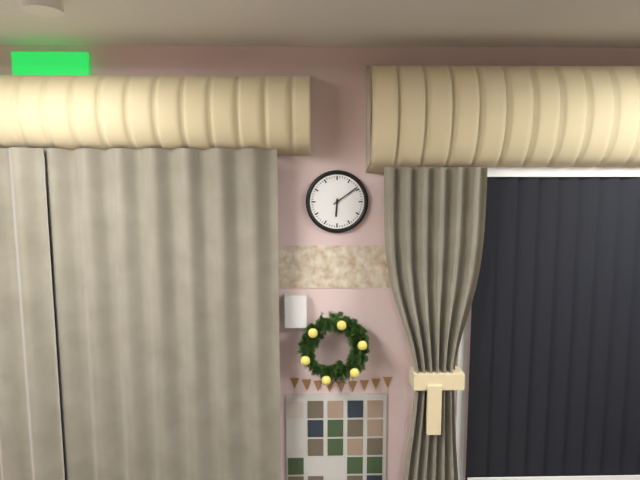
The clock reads 6.09
